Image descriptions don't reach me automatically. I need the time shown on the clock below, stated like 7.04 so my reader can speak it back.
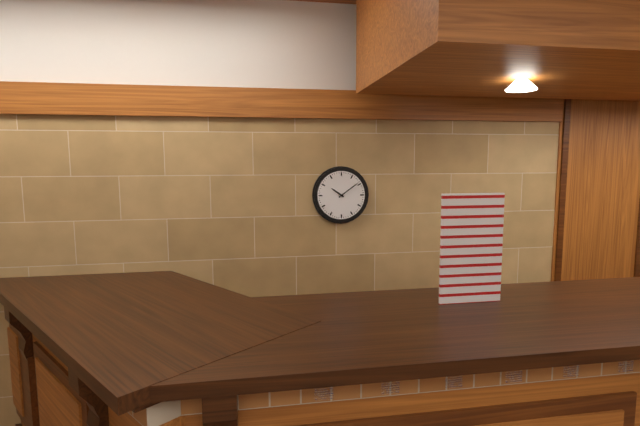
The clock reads 10.09
